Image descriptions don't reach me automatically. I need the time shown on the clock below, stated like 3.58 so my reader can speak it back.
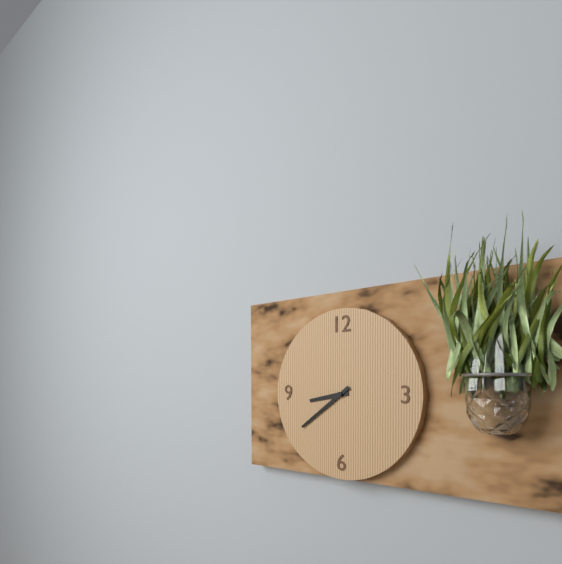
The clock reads 8.39
